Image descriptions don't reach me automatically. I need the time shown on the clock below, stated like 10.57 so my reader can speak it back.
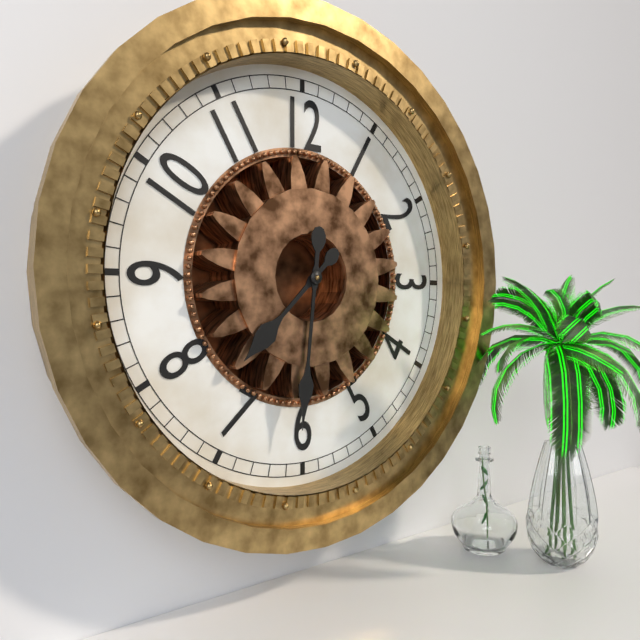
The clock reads 7.31
